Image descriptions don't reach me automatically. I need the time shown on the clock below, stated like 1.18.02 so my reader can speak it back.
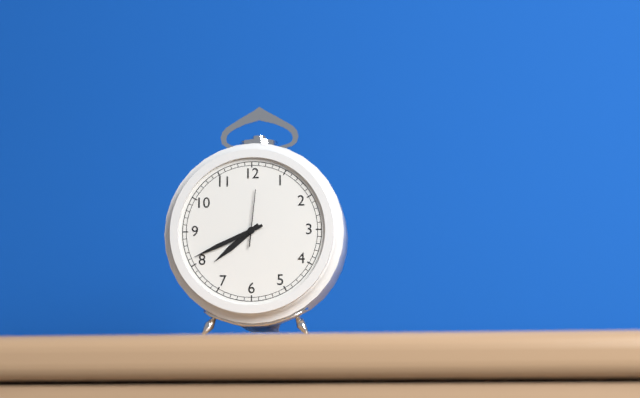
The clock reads 7.41.01
